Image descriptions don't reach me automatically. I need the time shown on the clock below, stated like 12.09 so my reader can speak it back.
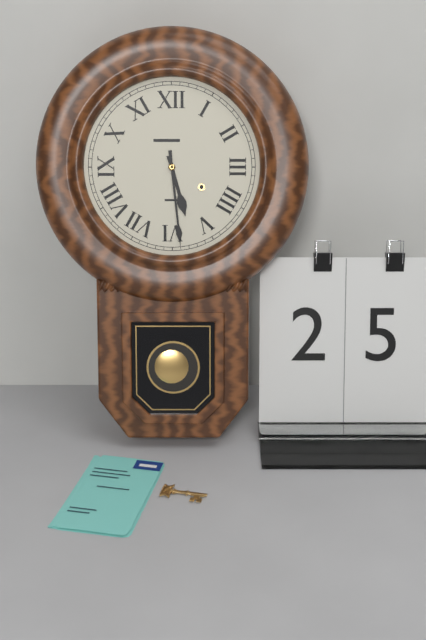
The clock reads 5.29
